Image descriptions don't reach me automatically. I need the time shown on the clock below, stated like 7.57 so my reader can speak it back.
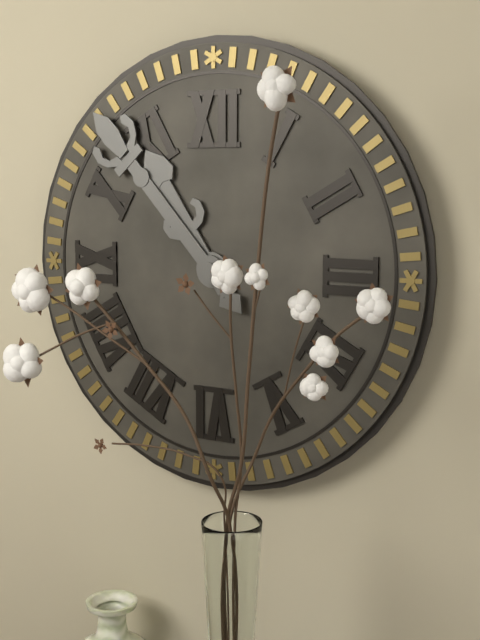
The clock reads 10.53
